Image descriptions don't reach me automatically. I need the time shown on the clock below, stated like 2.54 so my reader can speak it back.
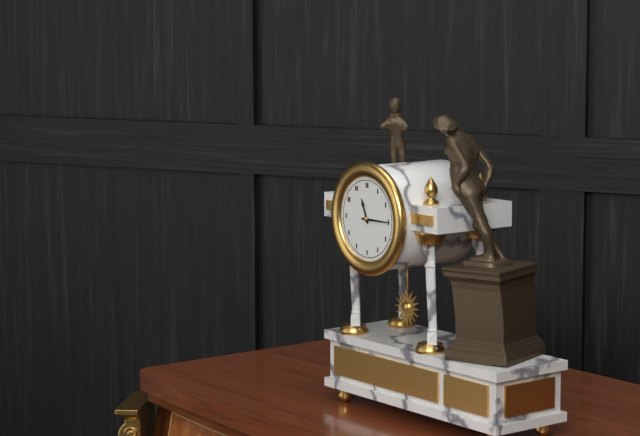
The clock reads 11.15
